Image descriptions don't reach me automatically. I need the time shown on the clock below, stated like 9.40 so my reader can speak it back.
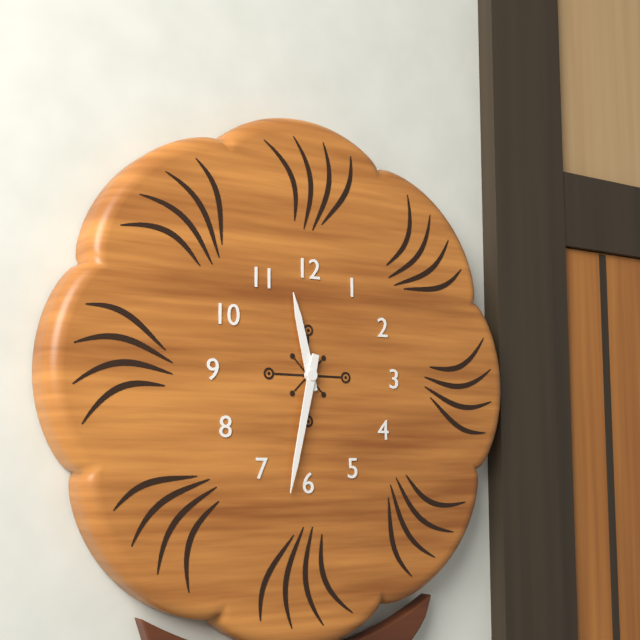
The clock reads 11.32
